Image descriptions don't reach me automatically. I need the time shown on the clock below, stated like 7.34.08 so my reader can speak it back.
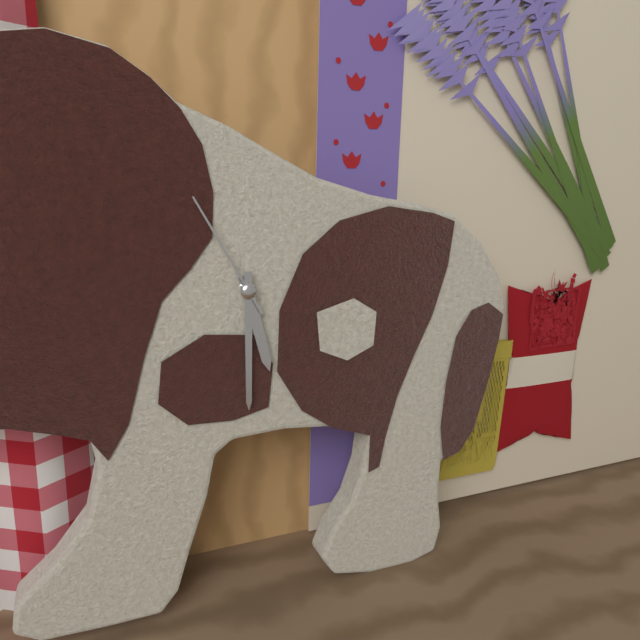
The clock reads 5.30.55
